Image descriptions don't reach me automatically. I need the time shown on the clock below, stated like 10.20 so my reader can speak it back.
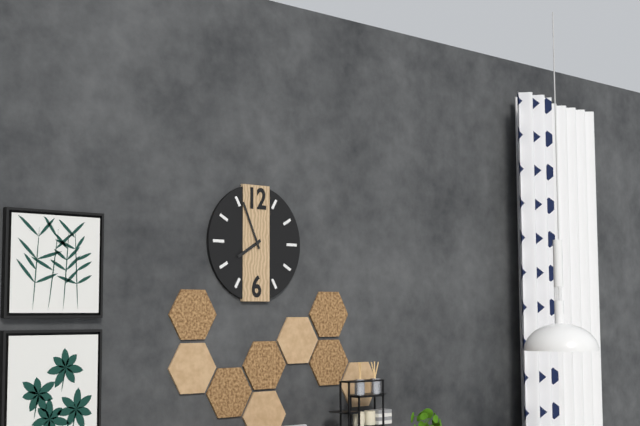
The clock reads 7.56
